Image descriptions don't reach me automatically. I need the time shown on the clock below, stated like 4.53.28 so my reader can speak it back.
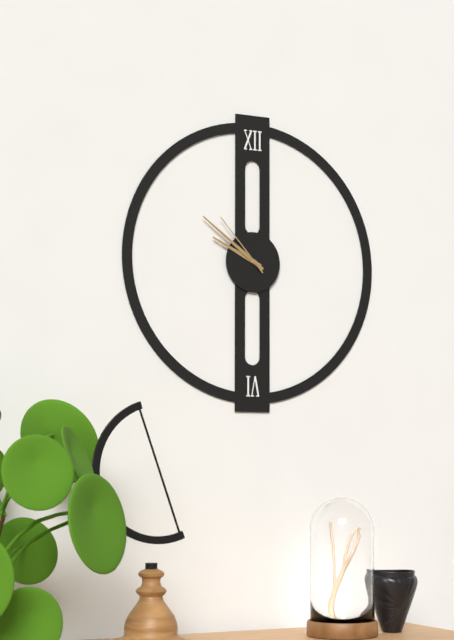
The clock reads 9.51.53
